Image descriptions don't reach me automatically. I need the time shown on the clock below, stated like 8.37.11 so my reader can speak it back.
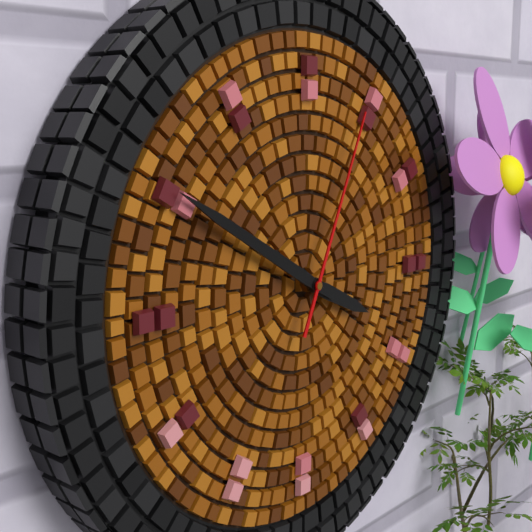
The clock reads 3.50.04
